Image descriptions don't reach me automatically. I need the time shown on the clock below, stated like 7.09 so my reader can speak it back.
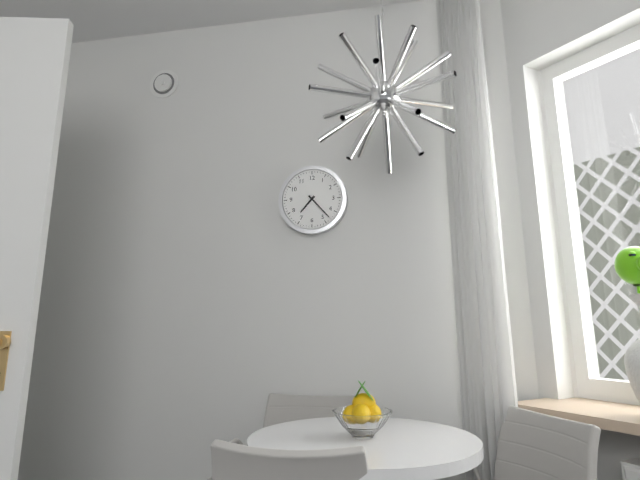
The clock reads 7.23
